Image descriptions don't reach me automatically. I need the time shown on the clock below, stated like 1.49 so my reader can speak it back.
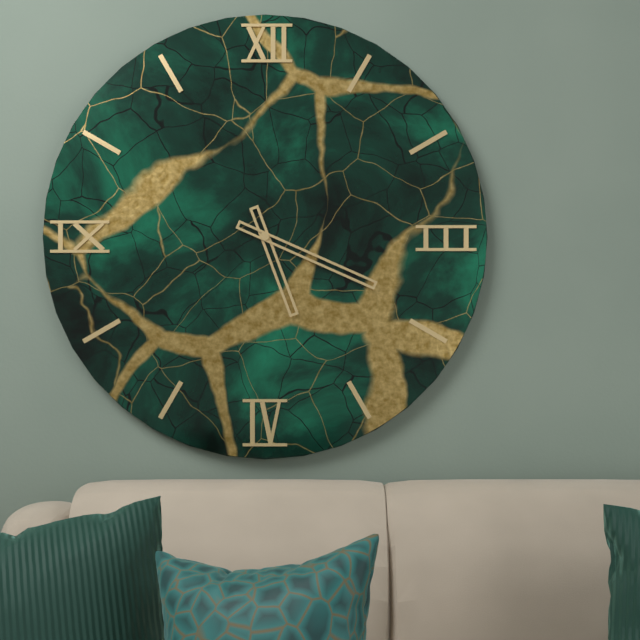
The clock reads 5.19
